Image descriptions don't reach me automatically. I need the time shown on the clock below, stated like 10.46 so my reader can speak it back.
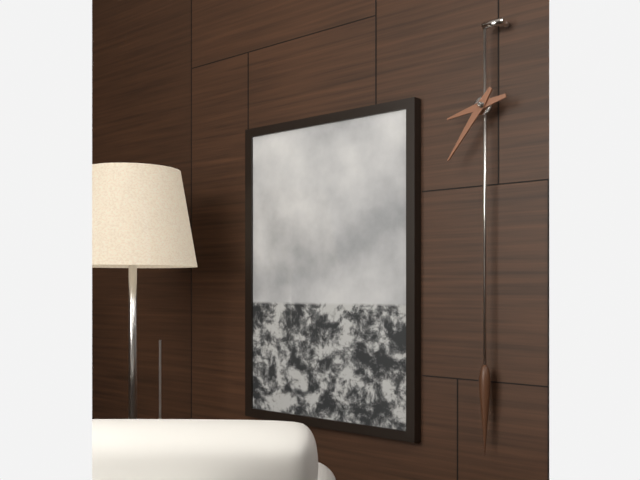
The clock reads 8.36
